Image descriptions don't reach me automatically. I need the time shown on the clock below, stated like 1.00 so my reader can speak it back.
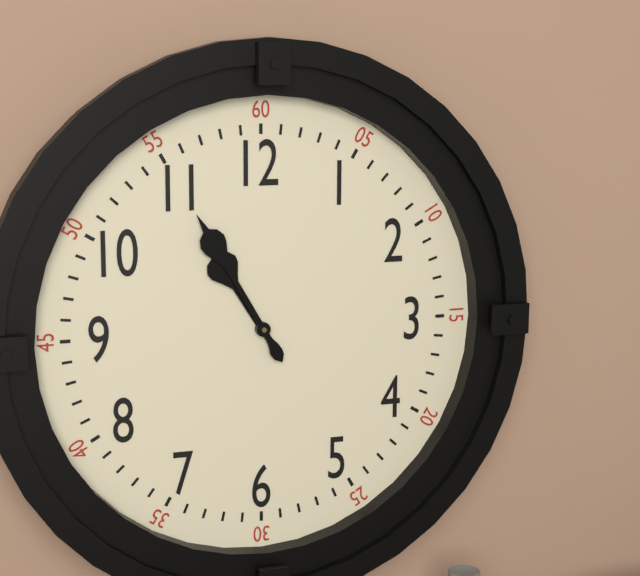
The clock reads 10.55
